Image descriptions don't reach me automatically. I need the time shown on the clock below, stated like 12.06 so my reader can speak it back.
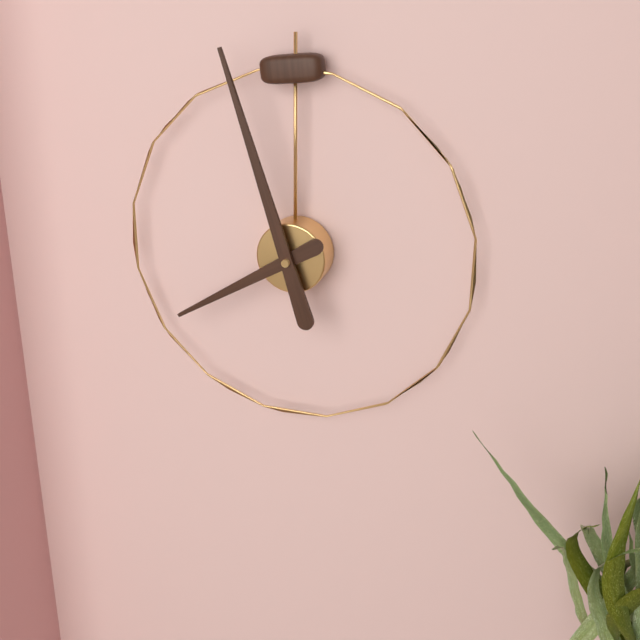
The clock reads 7.57
